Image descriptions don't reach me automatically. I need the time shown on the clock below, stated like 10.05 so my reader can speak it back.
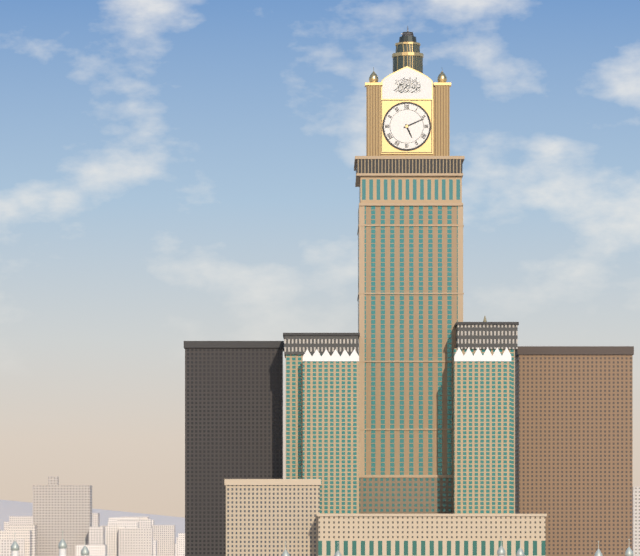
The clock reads 5.11
